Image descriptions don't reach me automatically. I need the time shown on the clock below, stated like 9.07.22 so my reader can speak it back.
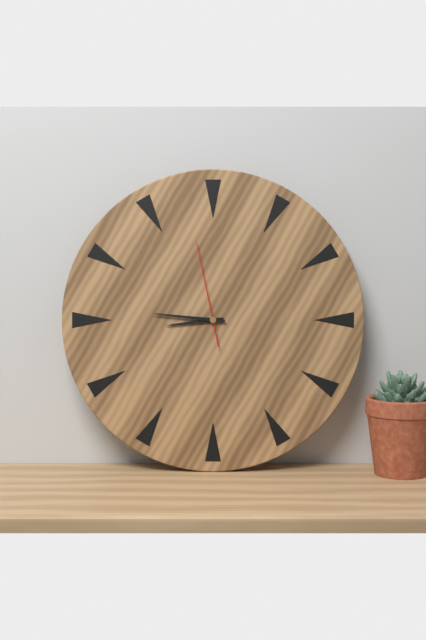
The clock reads 8.46.58
